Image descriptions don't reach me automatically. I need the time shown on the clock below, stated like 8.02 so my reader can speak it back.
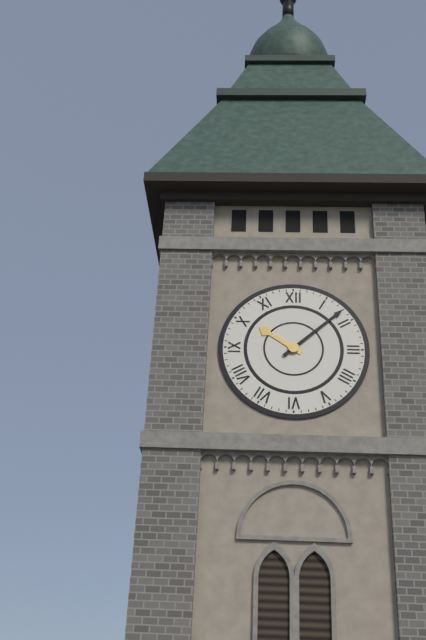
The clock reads 10.08
